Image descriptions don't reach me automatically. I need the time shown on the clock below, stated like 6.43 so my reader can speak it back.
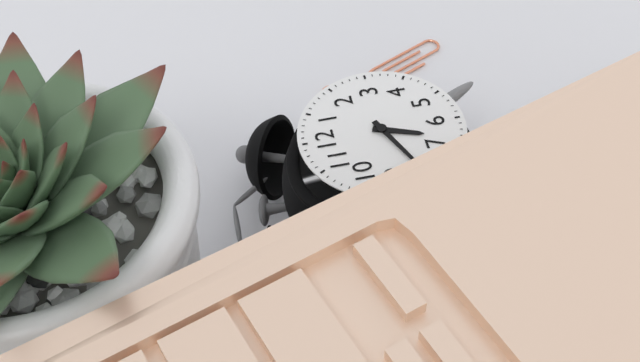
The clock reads 6.41
